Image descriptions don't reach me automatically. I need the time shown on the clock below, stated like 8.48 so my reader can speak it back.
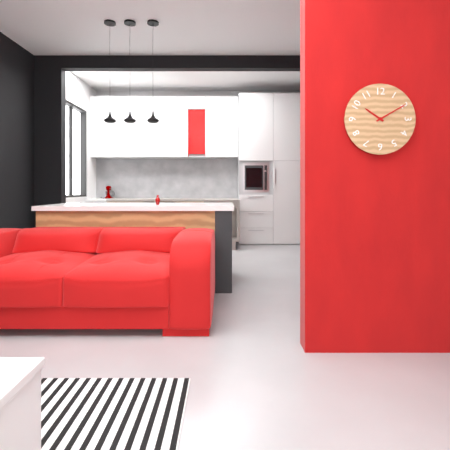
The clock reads 10.10
